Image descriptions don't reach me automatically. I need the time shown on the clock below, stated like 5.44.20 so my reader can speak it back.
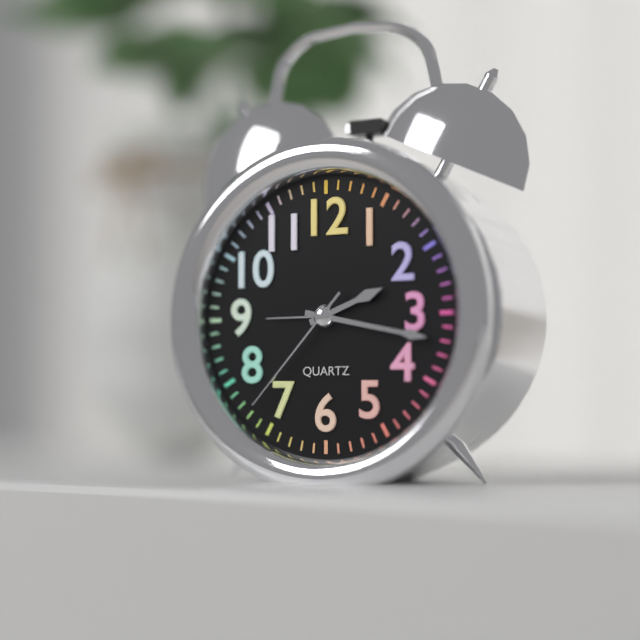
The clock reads 2.17.37
